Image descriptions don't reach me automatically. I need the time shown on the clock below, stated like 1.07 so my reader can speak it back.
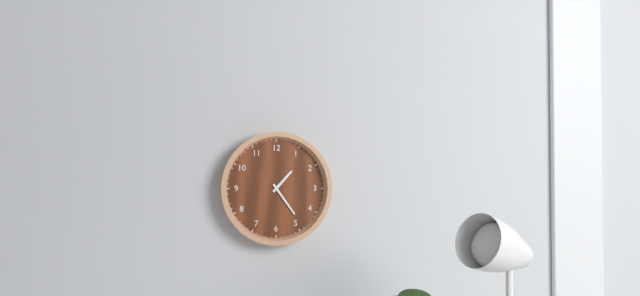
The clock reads 1.24
